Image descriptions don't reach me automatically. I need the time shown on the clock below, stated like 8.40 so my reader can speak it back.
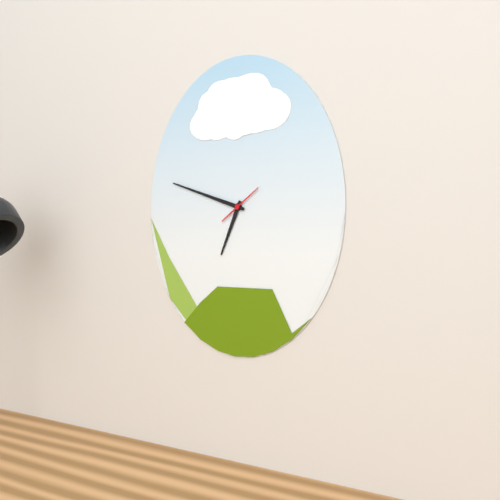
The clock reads 6.48
